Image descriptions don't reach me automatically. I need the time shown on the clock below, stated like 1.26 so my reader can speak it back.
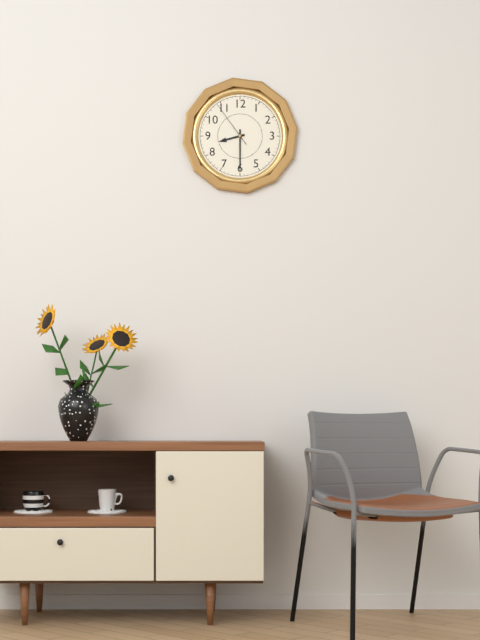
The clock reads 8.30
